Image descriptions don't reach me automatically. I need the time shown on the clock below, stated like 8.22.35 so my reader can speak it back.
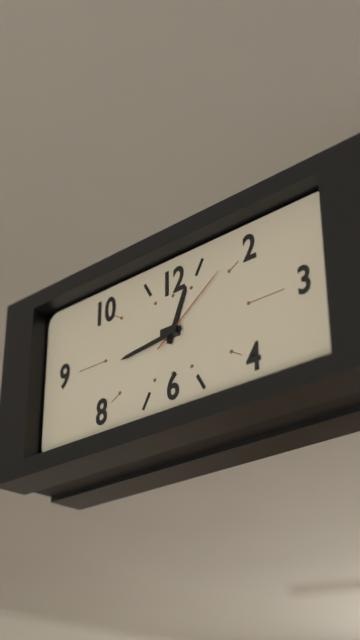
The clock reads 12.44.09
